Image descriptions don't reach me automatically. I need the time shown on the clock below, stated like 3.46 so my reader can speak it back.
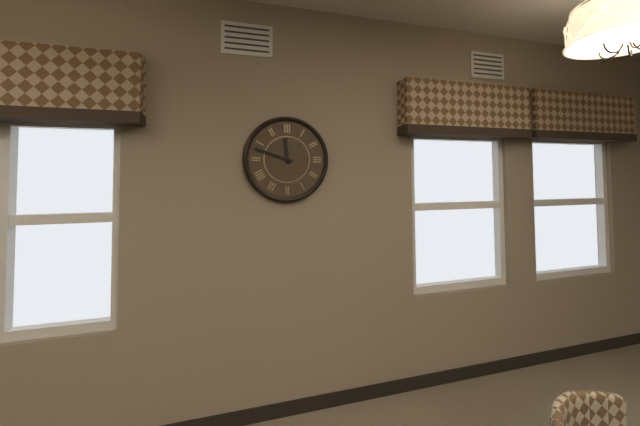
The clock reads 11.48
